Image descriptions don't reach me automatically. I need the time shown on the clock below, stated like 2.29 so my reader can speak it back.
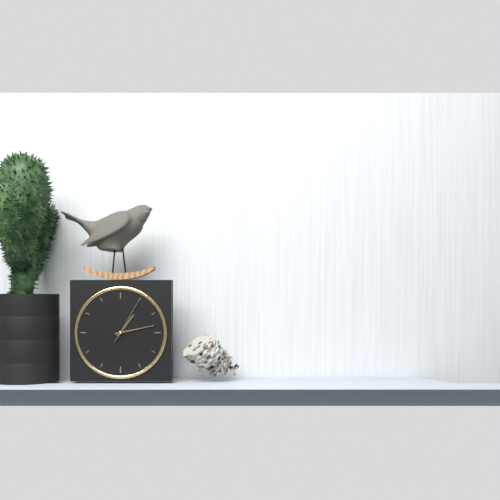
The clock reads 1.13
